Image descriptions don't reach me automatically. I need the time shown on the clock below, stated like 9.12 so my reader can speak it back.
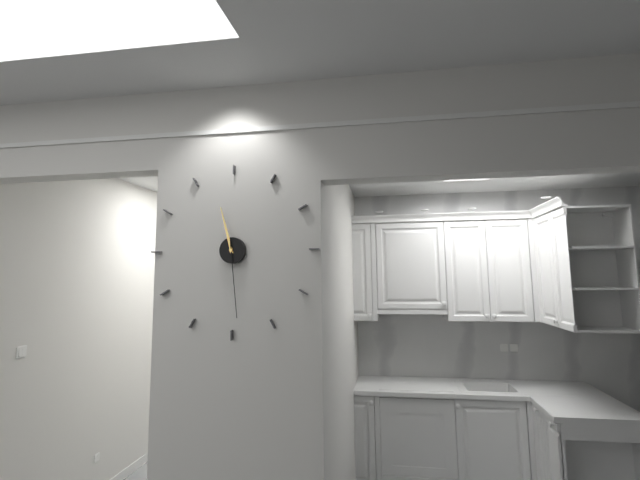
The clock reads 11.29
